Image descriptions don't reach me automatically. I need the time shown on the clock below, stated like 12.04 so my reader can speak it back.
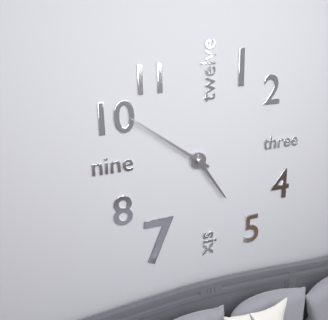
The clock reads 4.51
